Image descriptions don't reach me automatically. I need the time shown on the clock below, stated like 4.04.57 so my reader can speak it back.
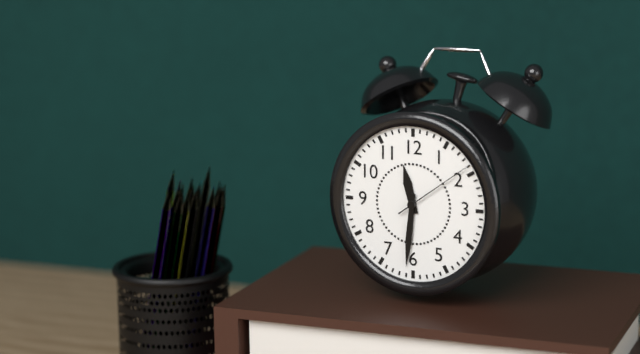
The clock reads 11.31.09
